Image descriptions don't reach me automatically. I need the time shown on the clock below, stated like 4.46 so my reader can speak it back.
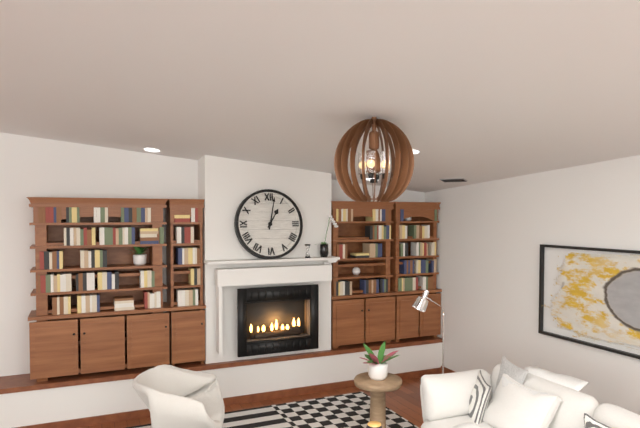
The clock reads 1.02
